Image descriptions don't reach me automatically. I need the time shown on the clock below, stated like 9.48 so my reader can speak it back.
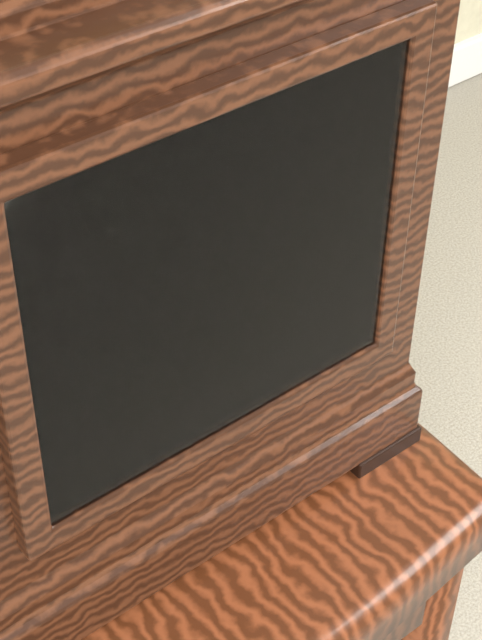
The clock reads 10.13
